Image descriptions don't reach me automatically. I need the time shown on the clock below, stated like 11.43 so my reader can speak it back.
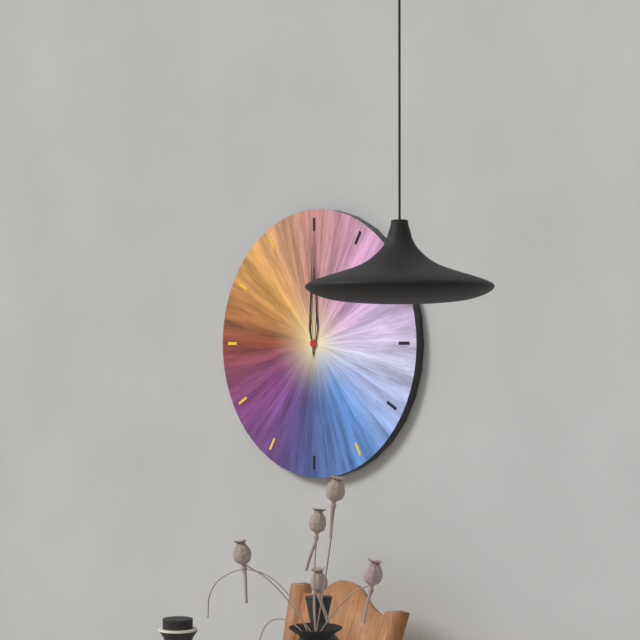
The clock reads 12.00
